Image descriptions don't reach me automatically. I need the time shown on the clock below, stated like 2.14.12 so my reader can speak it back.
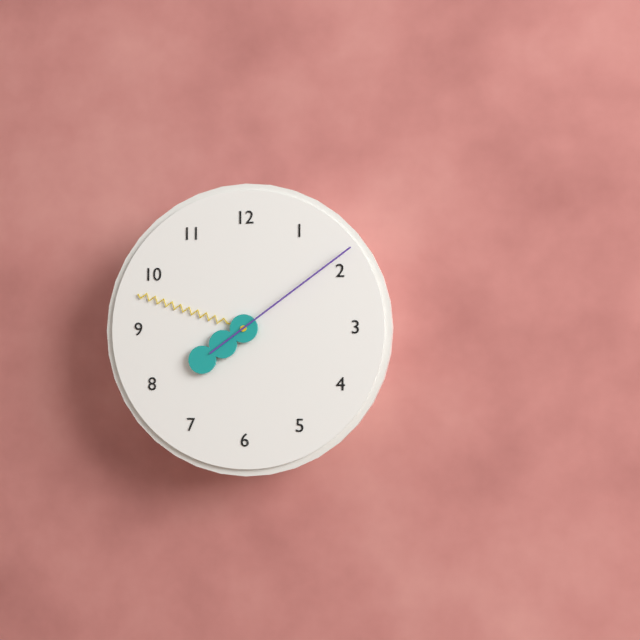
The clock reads 7.48.09
